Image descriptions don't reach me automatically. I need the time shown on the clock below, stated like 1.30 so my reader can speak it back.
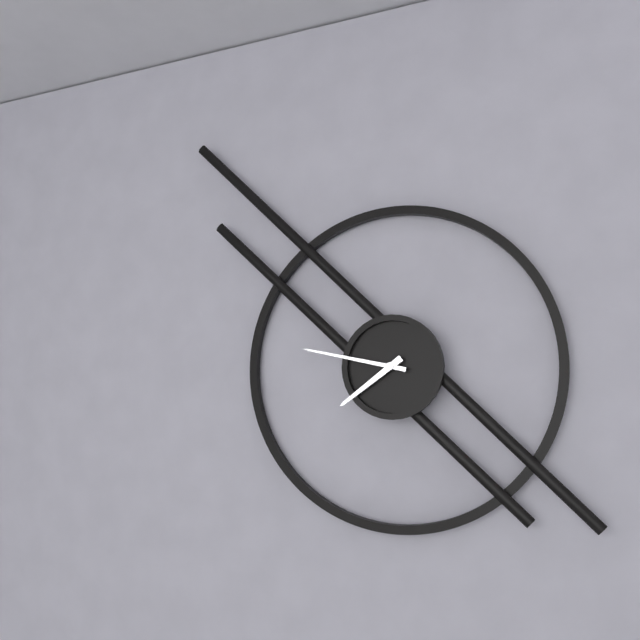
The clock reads 7.47
